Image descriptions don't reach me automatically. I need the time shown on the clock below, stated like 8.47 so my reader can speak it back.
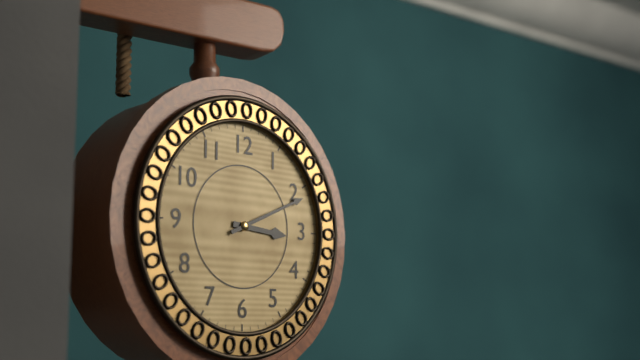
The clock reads 3.11
